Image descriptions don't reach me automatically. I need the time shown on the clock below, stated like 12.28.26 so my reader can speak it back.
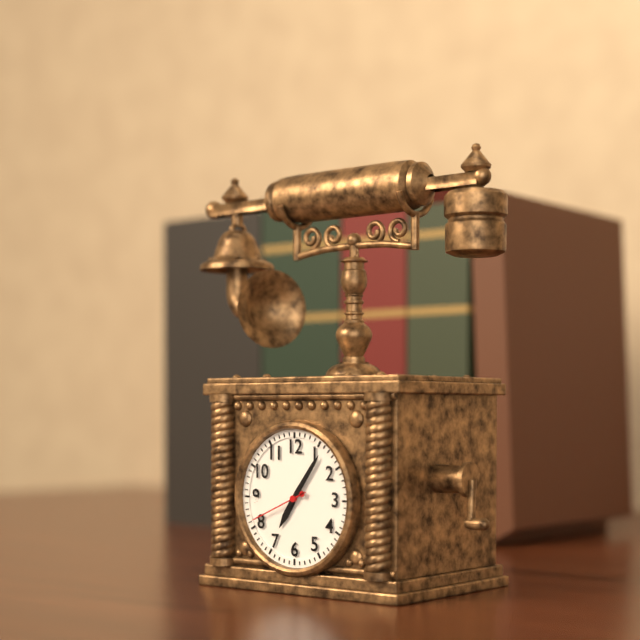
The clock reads 7.06.41
